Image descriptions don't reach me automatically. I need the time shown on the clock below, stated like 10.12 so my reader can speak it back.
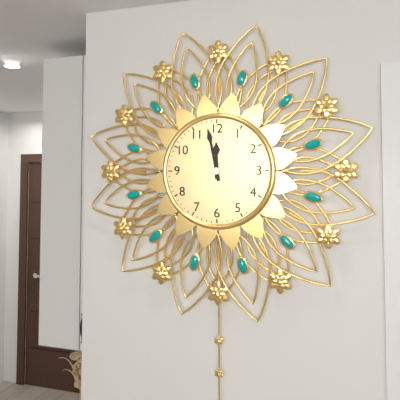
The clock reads 11.58
